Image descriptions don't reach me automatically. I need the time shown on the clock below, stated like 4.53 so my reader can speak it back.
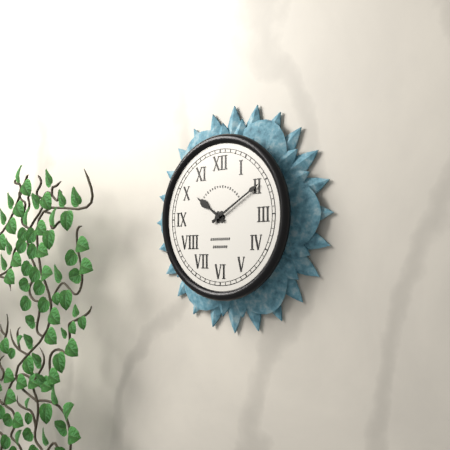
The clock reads 10.10
